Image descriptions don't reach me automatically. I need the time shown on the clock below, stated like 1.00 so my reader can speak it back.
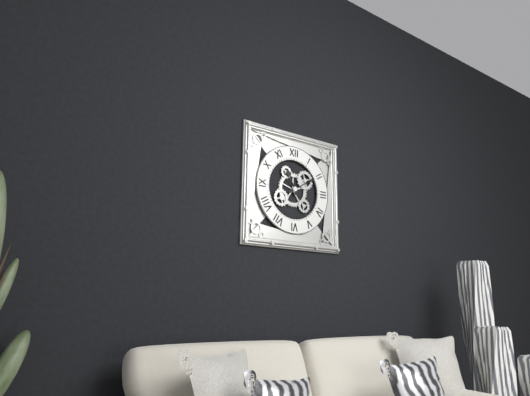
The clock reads 11.10
